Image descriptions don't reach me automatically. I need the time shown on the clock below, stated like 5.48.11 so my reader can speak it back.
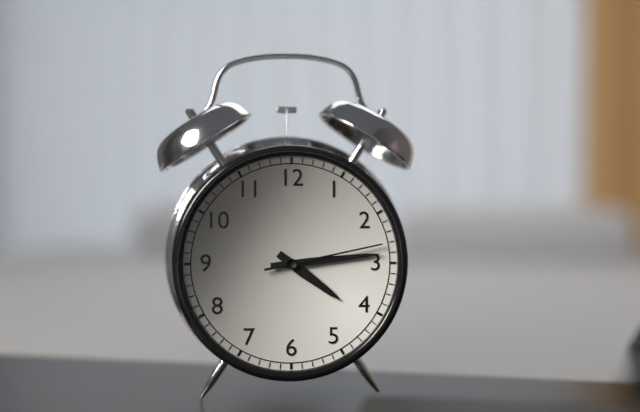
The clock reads 4.14.13
